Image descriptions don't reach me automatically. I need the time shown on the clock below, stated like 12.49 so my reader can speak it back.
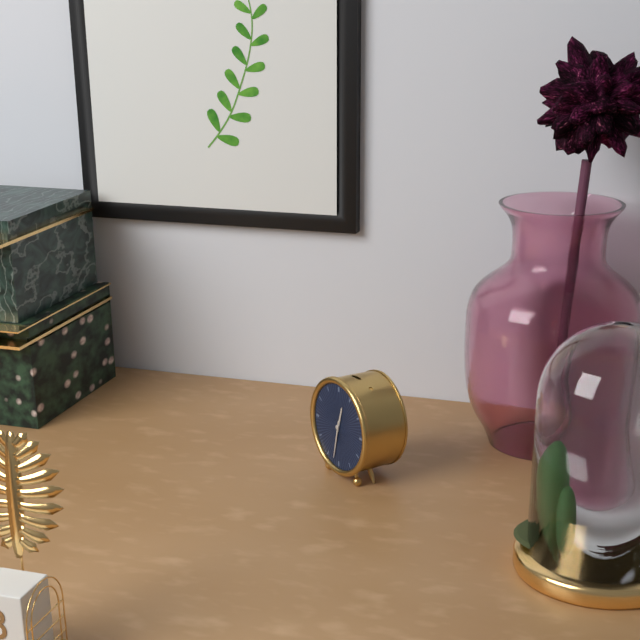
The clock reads 12.32
